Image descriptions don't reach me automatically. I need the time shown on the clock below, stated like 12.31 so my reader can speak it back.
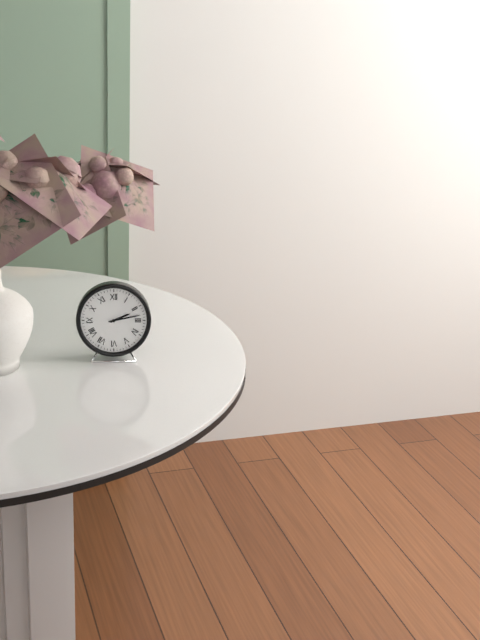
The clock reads 2.13
